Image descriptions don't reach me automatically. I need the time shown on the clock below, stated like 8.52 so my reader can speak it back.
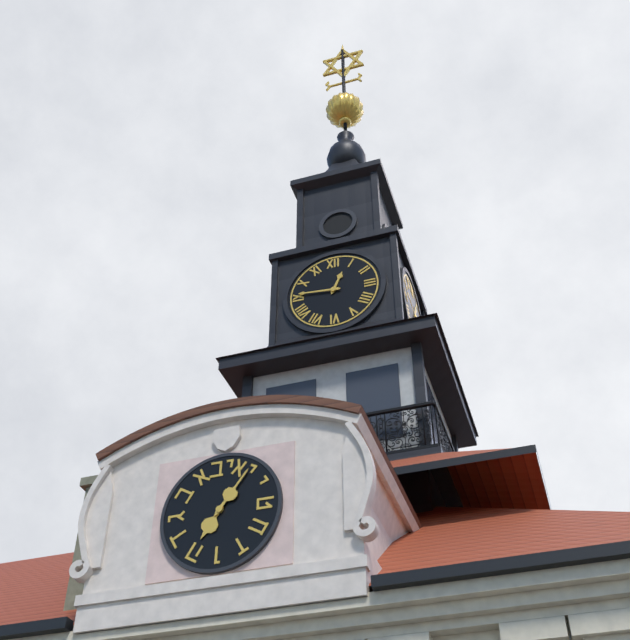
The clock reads 12.46
